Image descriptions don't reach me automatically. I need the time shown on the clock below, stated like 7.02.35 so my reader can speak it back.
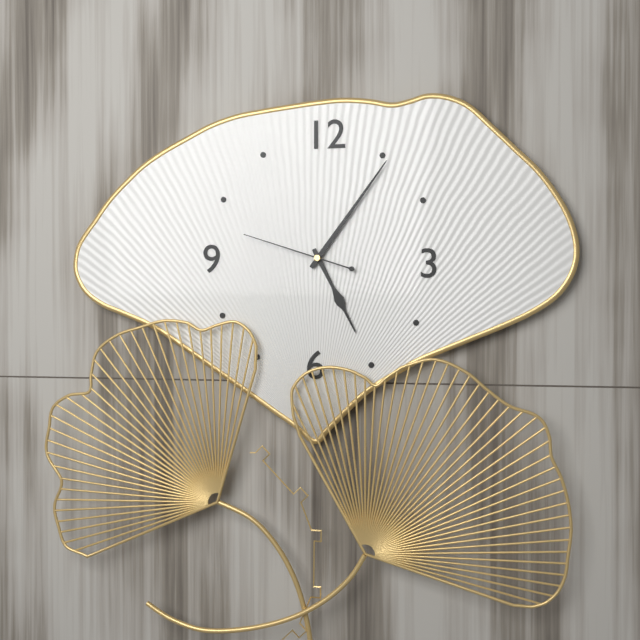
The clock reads 5.06.48
